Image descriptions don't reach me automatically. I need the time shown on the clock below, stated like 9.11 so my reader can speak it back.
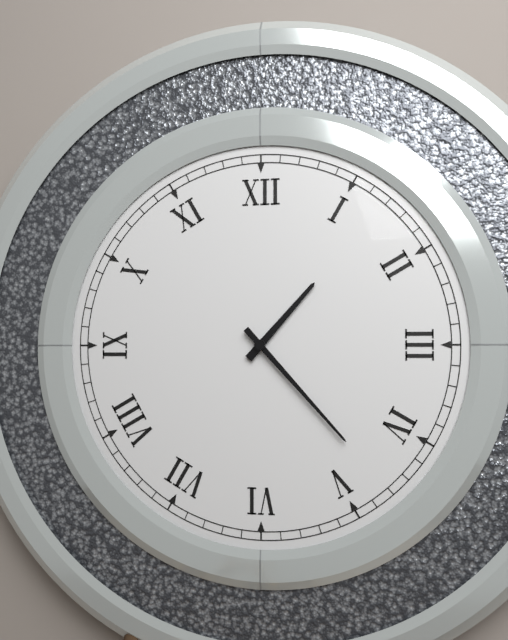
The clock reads 1.23
